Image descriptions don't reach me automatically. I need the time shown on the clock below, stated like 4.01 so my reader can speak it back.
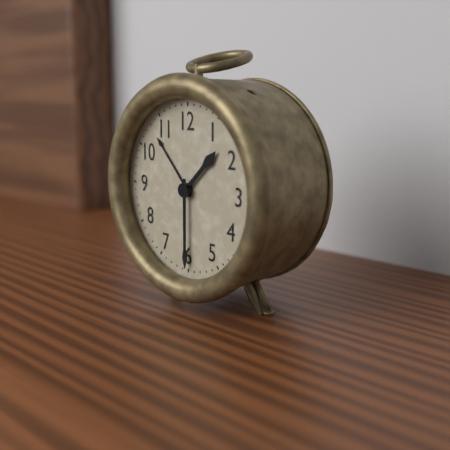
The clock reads 1.30
